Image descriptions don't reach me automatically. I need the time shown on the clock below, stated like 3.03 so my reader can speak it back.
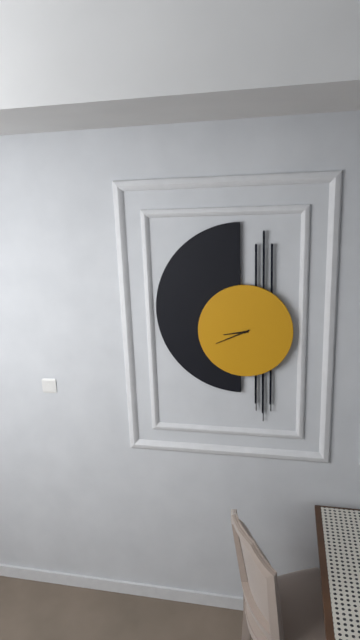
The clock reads 8.41
